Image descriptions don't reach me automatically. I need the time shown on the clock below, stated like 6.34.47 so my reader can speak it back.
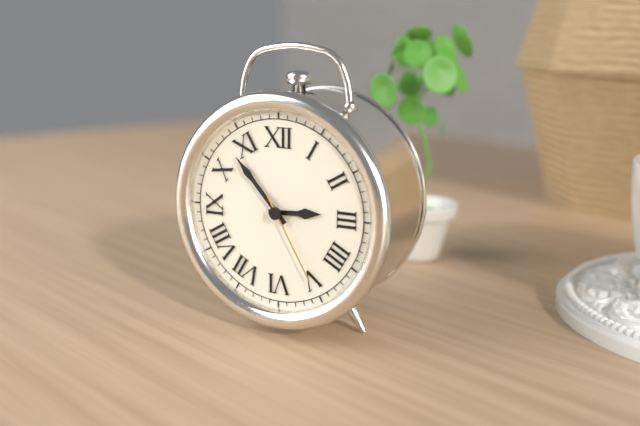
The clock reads 2.53.25
